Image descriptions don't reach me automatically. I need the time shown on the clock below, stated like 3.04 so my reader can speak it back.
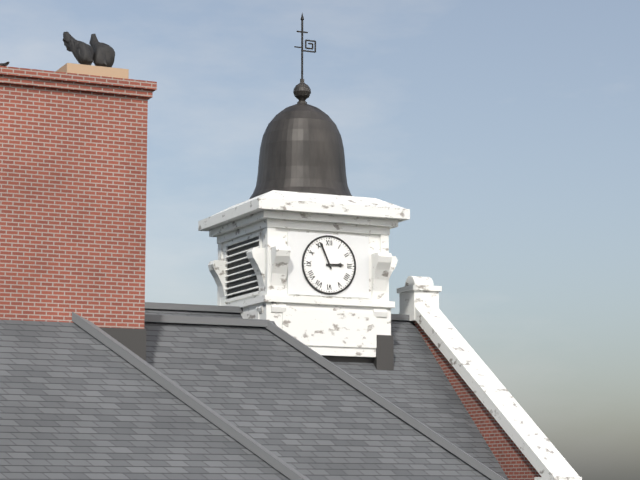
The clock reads 2.56
